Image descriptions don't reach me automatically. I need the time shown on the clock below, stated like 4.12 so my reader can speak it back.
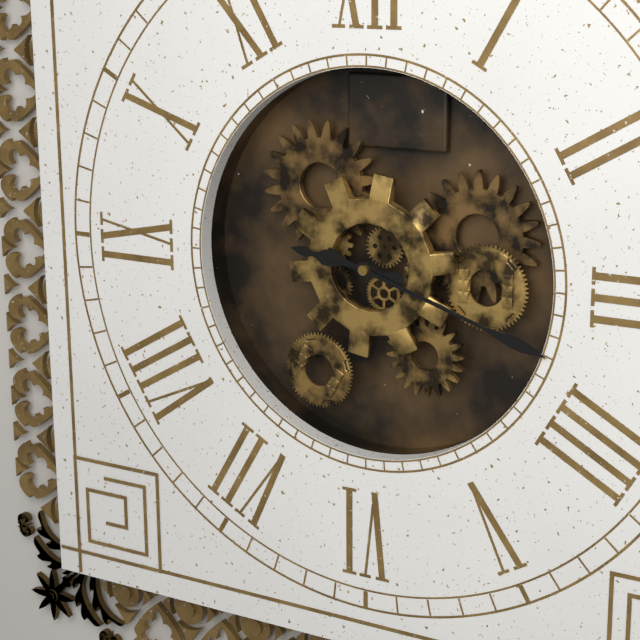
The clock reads 9.18
